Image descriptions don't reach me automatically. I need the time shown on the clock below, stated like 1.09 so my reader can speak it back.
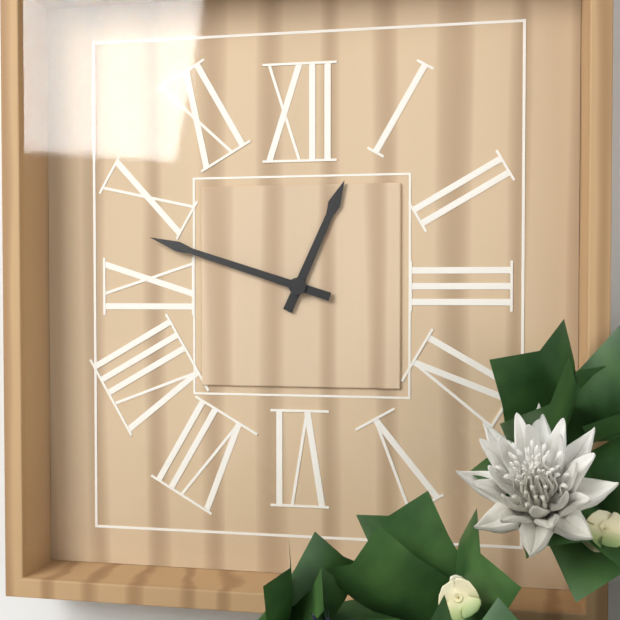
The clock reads 12.48
